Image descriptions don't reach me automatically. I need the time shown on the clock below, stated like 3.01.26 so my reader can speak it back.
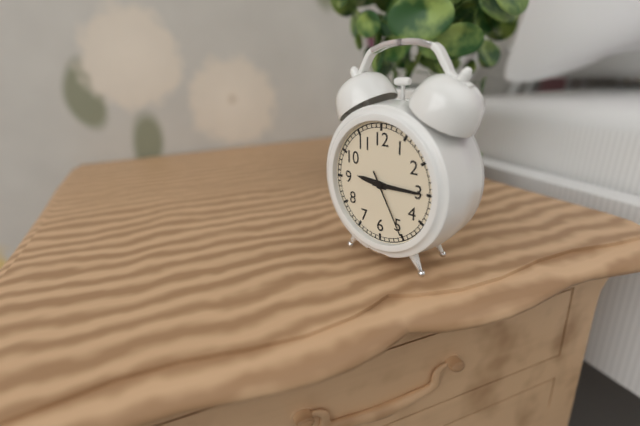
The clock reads 9.15.25
